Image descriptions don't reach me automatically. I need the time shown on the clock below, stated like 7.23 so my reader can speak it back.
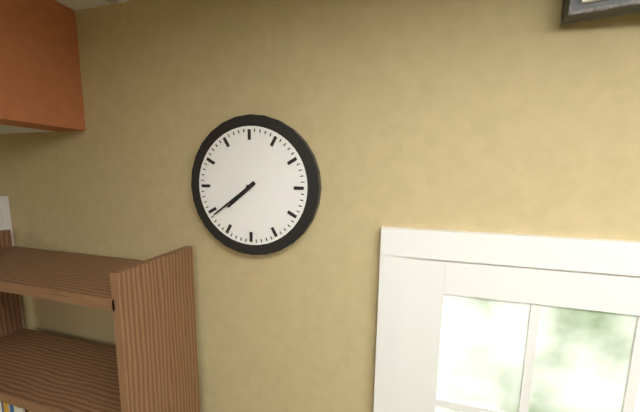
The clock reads 7.39
